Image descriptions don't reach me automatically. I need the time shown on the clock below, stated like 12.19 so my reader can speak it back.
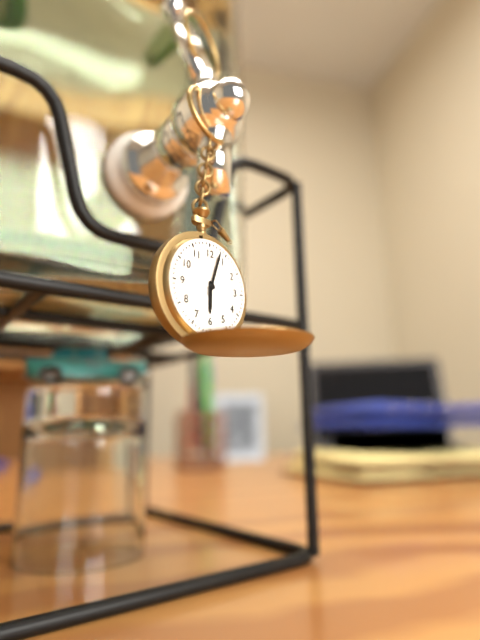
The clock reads 6.03
